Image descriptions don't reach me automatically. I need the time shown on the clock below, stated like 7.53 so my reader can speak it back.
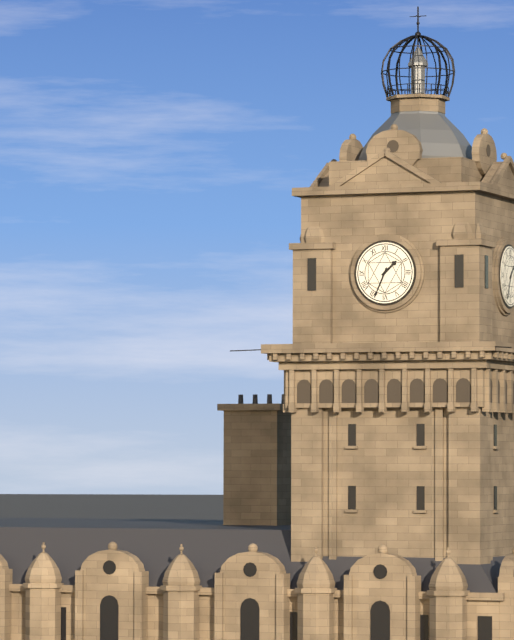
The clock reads 1.34
